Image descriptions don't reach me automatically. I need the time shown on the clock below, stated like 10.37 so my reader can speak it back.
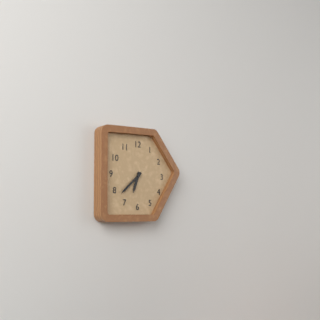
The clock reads 6.38
